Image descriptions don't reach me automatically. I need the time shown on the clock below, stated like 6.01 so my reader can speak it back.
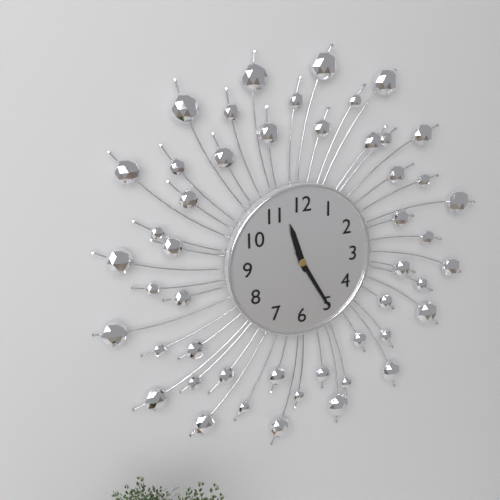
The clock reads 11.25
